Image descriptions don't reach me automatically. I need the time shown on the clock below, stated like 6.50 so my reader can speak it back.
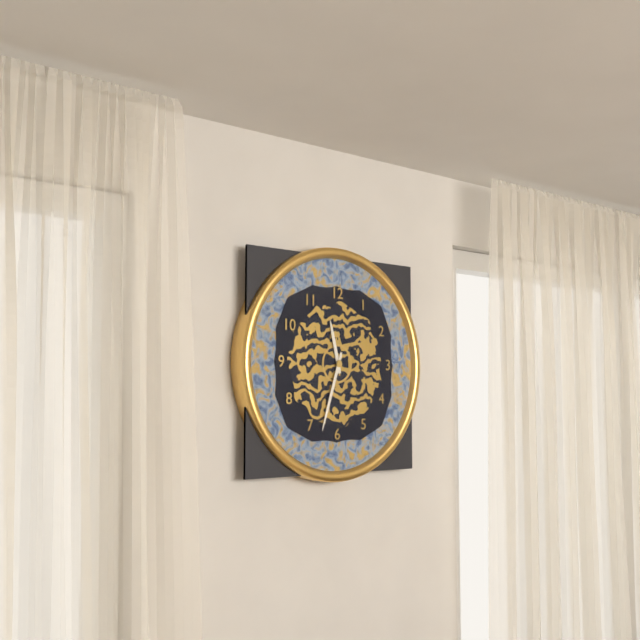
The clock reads 11.33
